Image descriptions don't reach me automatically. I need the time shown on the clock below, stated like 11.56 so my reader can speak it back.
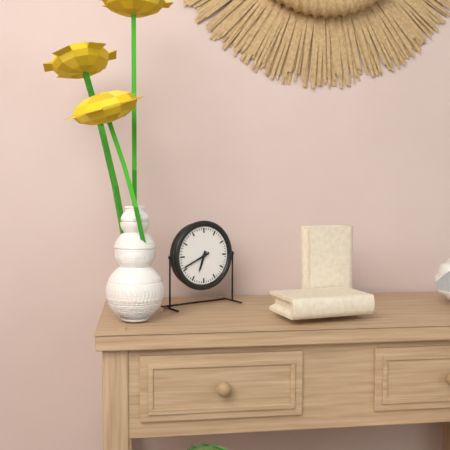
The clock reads 6.41
